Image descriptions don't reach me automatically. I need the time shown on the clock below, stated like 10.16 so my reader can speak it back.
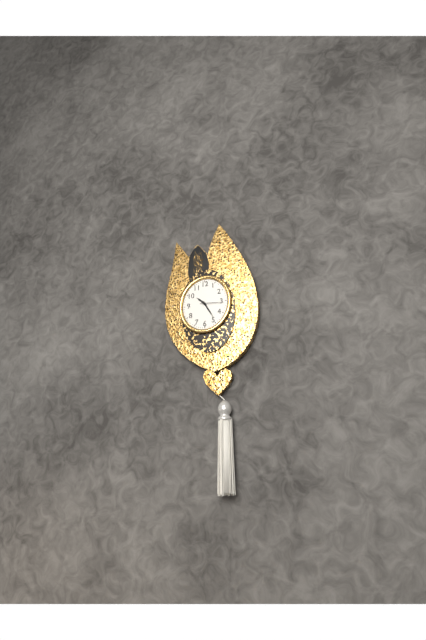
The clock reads 10.25
